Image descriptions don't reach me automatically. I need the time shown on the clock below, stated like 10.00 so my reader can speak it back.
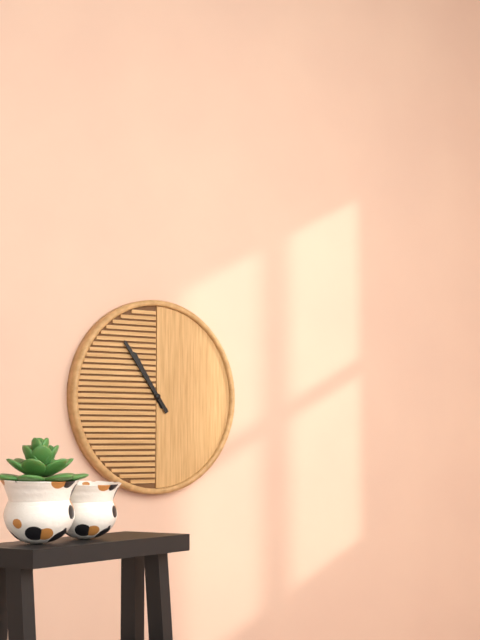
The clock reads 10.54
